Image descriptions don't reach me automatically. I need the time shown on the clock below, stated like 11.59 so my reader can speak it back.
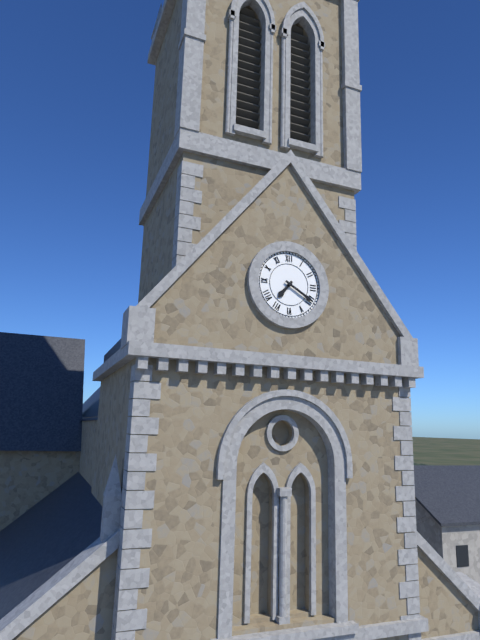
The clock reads 7.20
